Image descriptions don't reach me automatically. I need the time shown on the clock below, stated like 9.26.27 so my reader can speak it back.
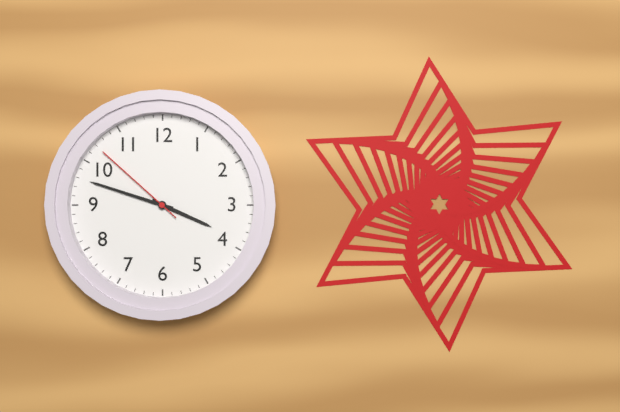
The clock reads 3.48.52
